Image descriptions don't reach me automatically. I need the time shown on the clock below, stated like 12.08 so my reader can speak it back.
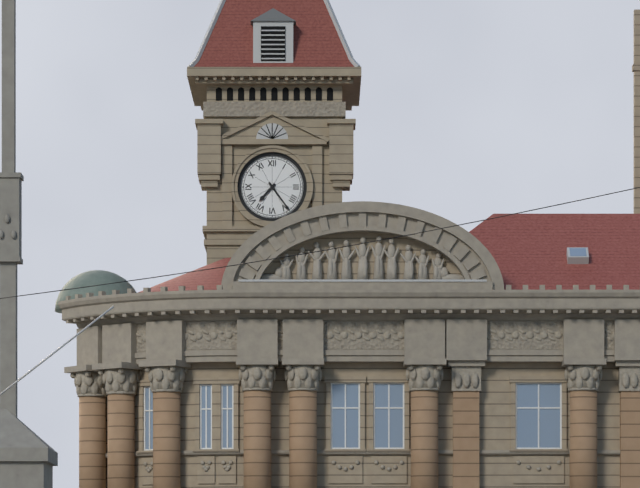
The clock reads 7.24
